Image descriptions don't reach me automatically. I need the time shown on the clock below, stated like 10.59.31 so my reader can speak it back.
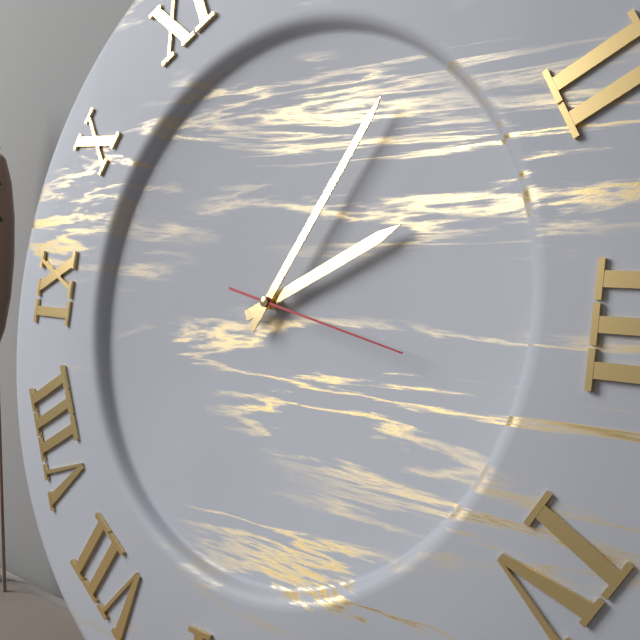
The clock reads 2.05.17
